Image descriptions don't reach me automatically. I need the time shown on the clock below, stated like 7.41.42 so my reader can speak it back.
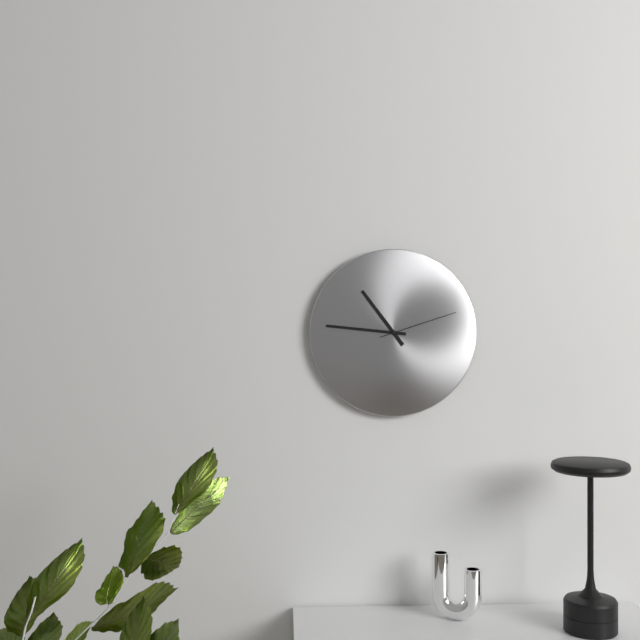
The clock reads 10.46.12
